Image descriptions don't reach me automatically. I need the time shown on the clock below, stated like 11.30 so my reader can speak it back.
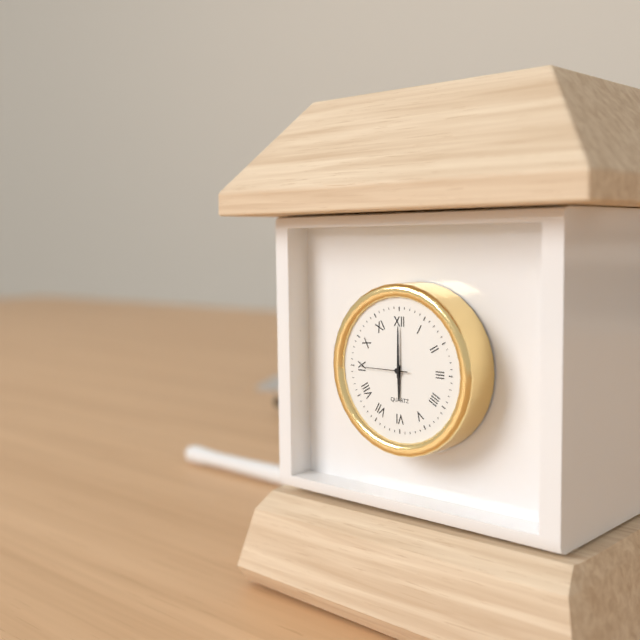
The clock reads 6.00
